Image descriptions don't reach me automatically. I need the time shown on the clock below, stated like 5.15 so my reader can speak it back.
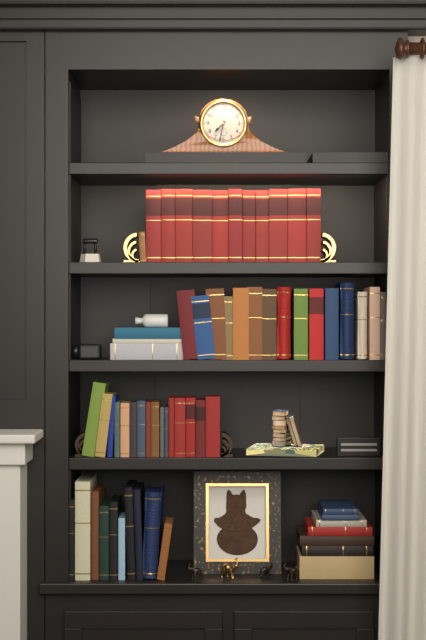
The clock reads 7.32
